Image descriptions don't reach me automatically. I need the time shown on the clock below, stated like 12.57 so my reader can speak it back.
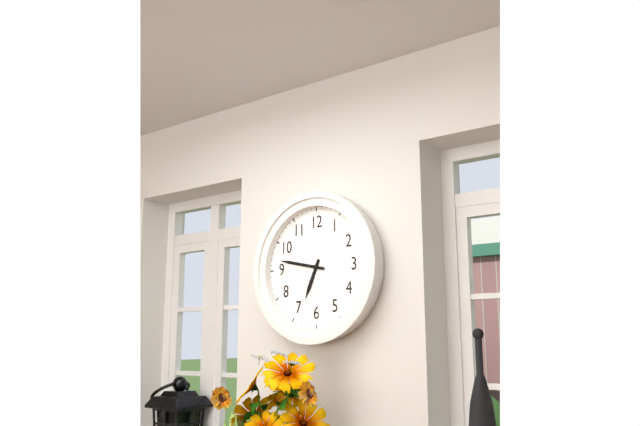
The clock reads 6.47
